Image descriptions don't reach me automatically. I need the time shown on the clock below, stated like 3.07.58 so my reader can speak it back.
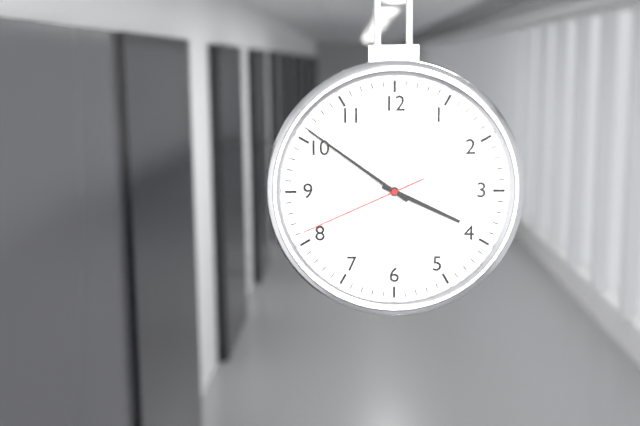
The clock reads 3.51.41
